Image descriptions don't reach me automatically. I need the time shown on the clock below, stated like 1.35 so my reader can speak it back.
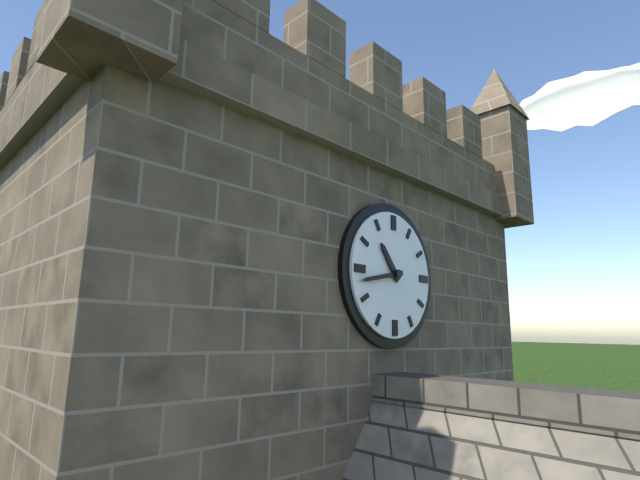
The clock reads 10.43
